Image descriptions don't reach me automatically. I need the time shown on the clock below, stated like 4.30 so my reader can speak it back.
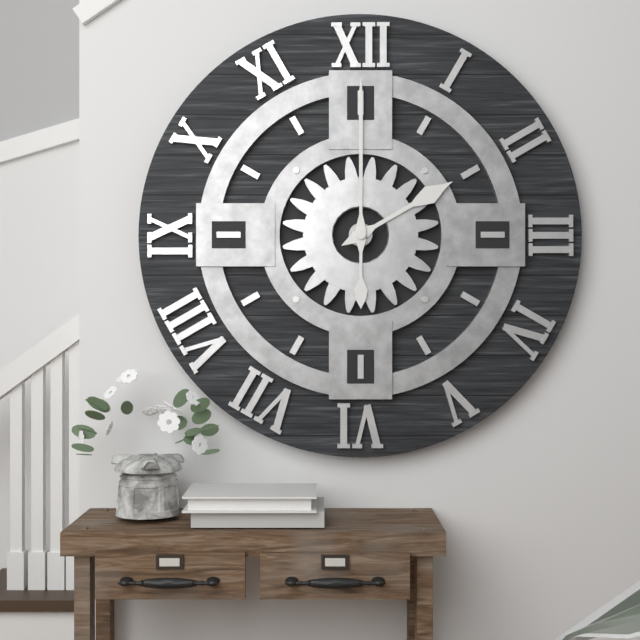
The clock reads 2.00
